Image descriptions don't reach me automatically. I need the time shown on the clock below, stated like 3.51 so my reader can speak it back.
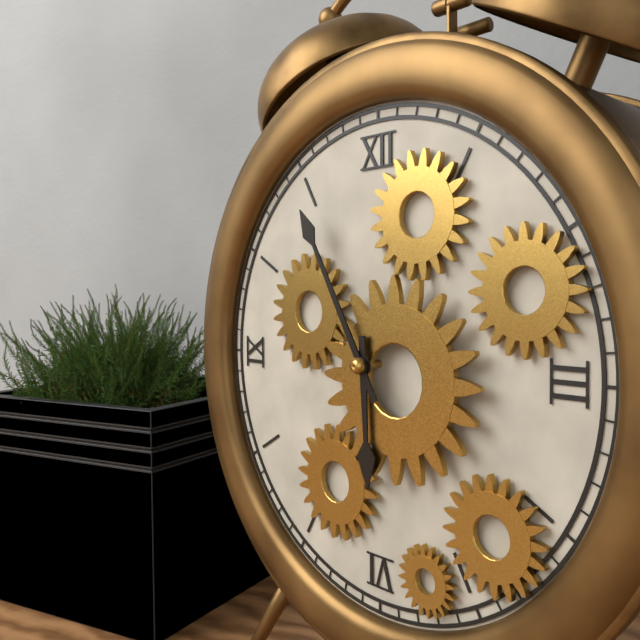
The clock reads 5.55
